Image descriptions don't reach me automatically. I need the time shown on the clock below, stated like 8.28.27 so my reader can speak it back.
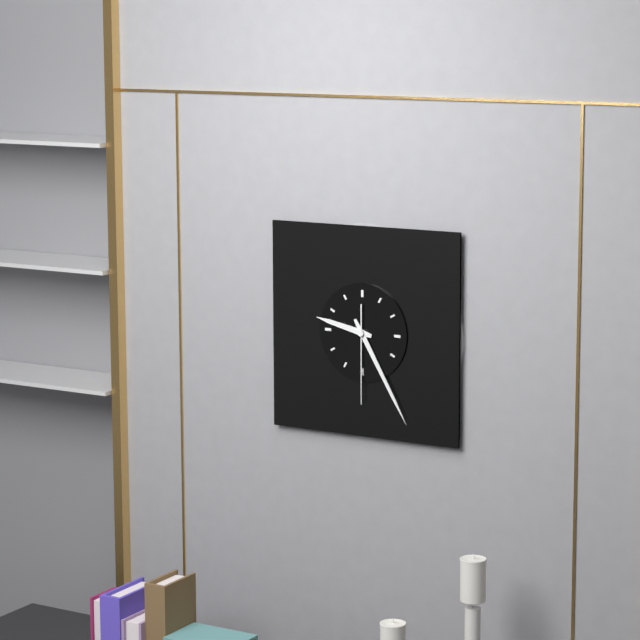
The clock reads 9.25.30
